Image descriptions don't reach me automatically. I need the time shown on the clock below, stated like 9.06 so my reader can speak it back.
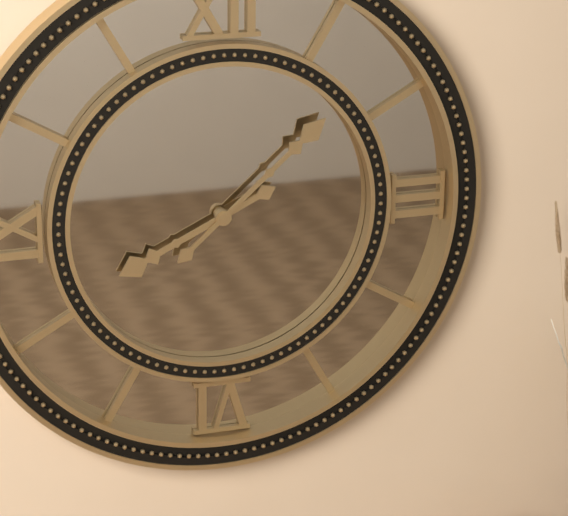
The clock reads 8.08
